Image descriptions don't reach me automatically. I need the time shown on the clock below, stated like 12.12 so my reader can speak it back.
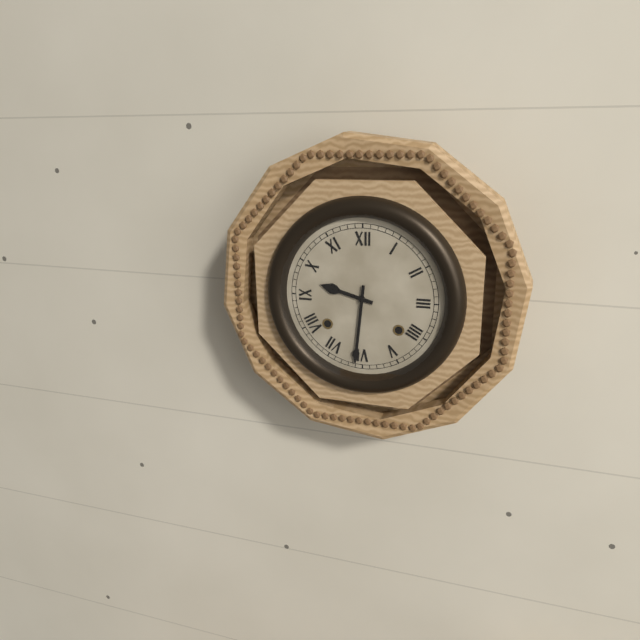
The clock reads 9.31
